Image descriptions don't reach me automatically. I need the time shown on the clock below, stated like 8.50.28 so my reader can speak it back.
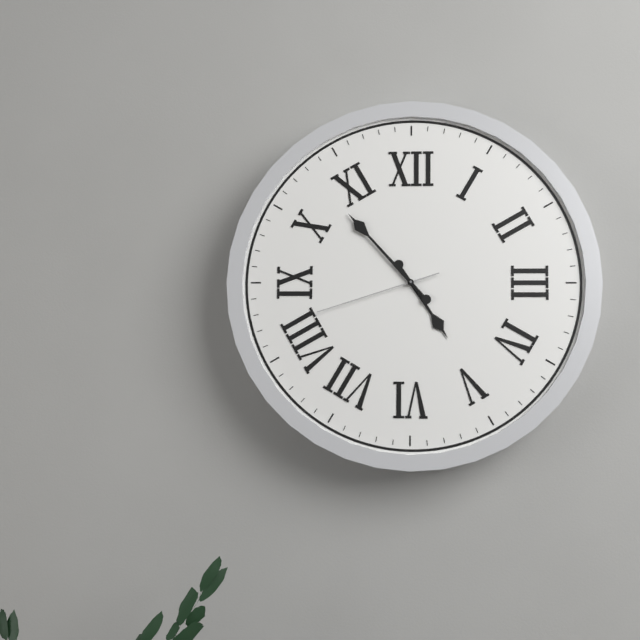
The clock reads 4.53.42
